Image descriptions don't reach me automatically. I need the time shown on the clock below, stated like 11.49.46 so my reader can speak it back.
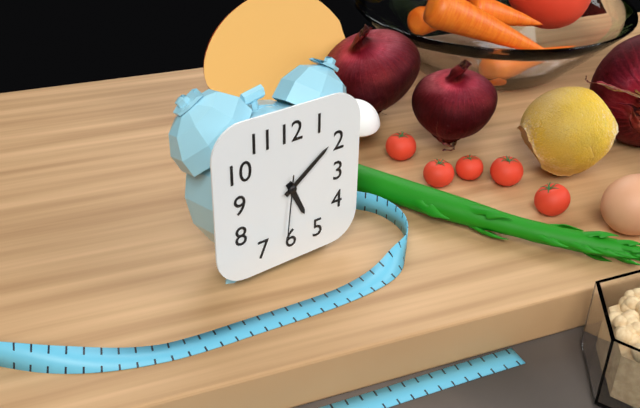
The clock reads 5.09.31
